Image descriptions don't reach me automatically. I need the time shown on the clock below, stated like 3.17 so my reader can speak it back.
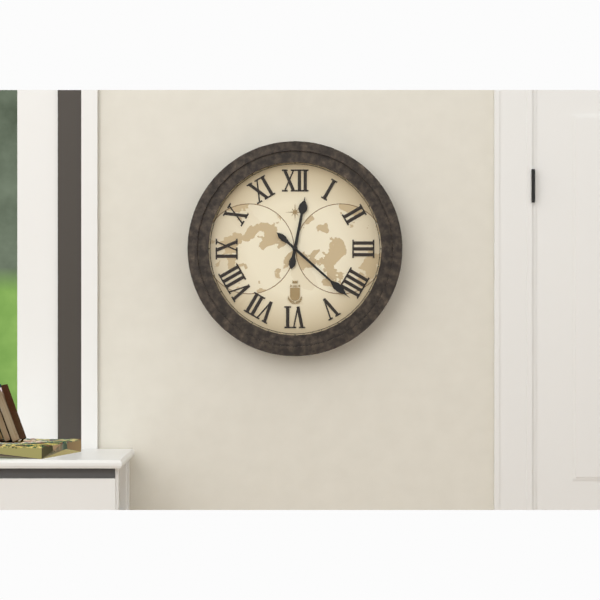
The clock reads 12.22
